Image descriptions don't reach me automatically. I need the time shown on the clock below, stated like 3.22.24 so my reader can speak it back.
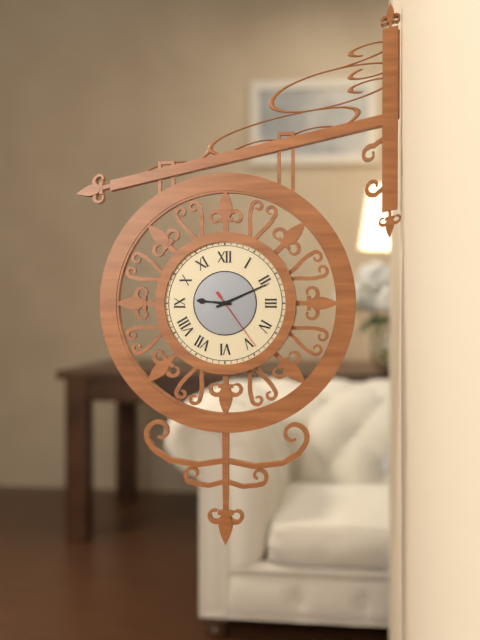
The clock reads 9.11.24
